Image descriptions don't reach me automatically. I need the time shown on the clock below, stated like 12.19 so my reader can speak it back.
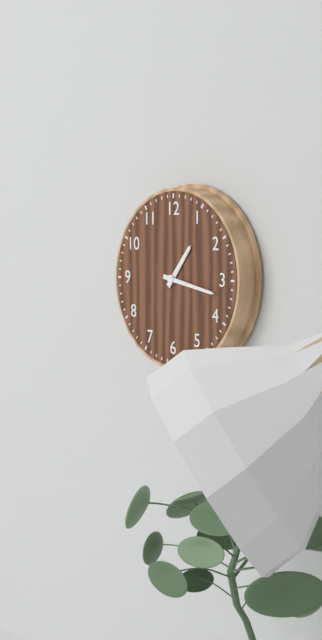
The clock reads 1.17
